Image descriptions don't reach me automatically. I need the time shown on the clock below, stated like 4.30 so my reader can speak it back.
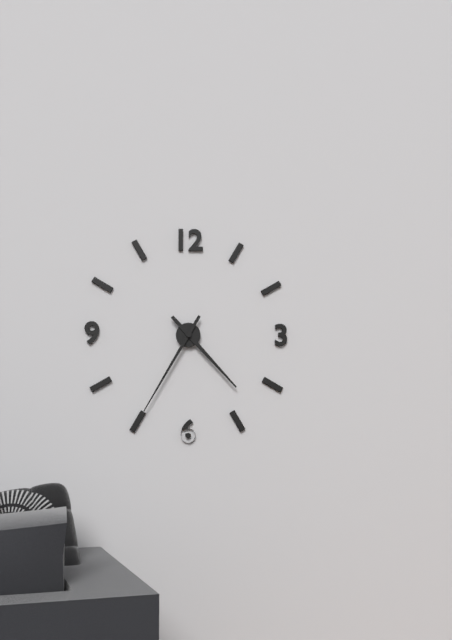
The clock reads 4.35
